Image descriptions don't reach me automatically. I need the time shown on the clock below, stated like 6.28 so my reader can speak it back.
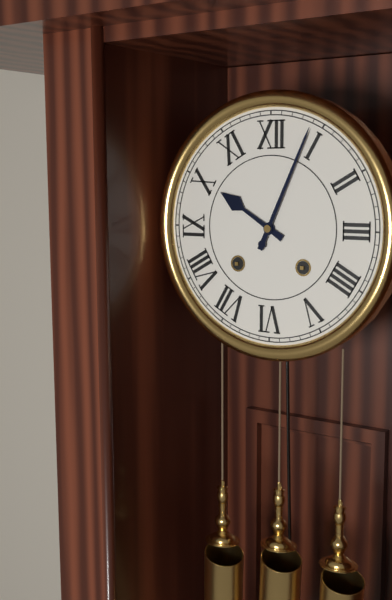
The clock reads 10.04
